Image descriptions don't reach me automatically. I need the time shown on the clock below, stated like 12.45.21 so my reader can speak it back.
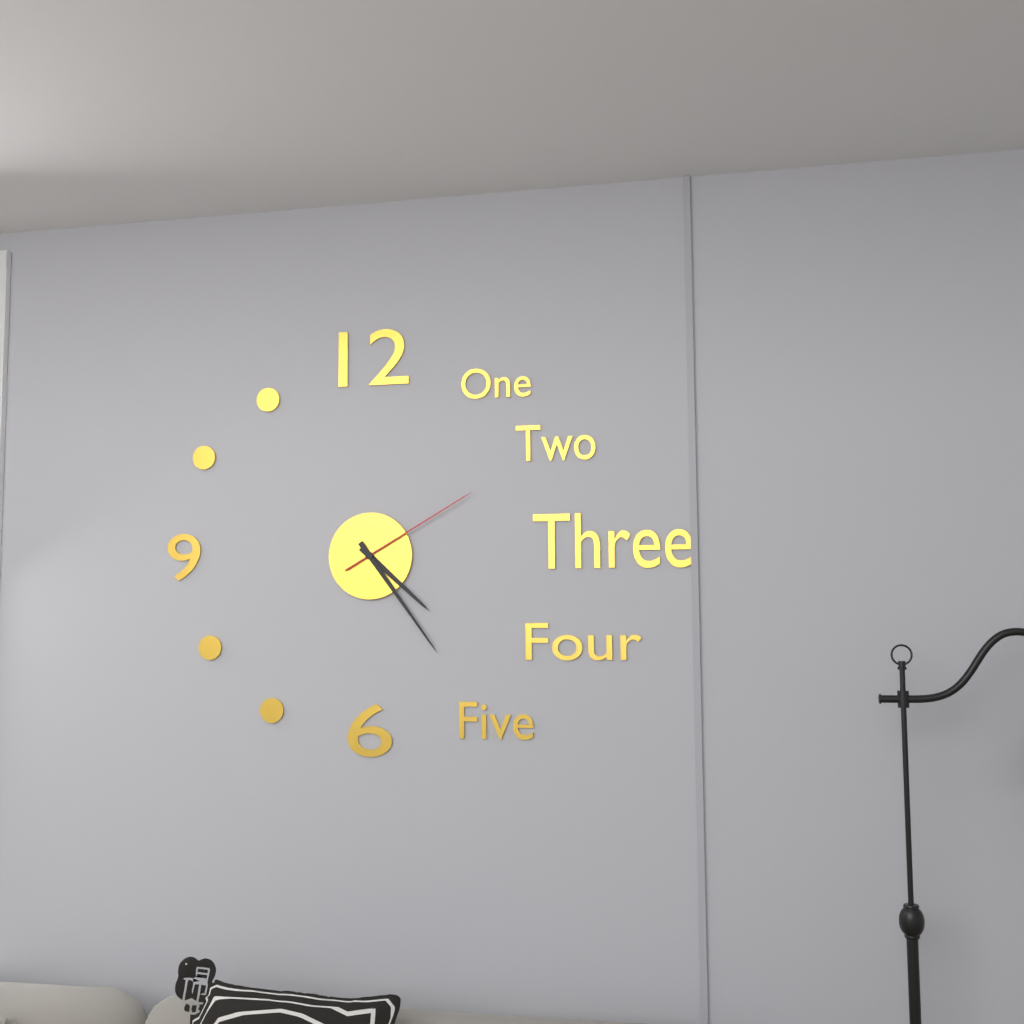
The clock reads 4.24.10
